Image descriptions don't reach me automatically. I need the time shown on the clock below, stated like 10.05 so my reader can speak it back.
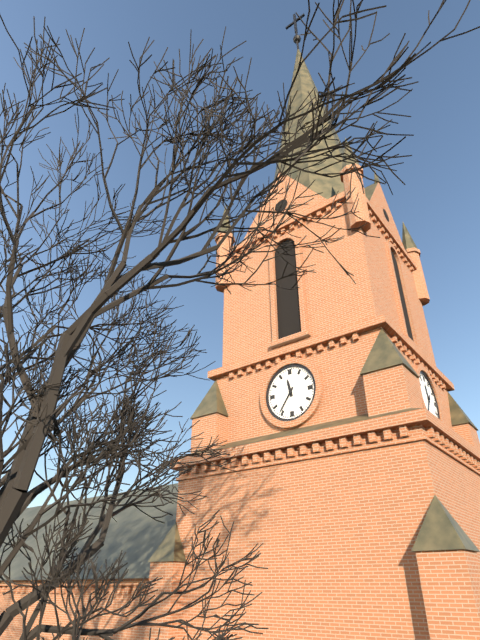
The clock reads 11.36
